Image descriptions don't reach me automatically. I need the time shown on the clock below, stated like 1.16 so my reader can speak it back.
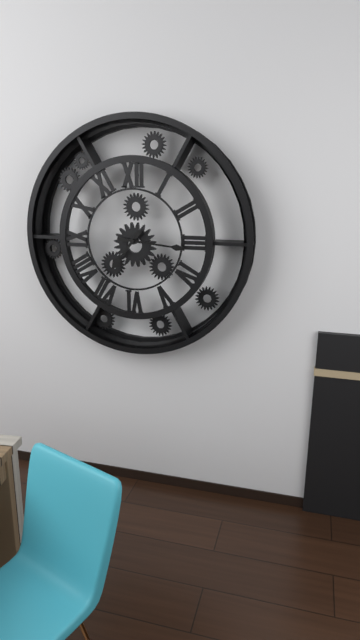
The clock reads 7.16
